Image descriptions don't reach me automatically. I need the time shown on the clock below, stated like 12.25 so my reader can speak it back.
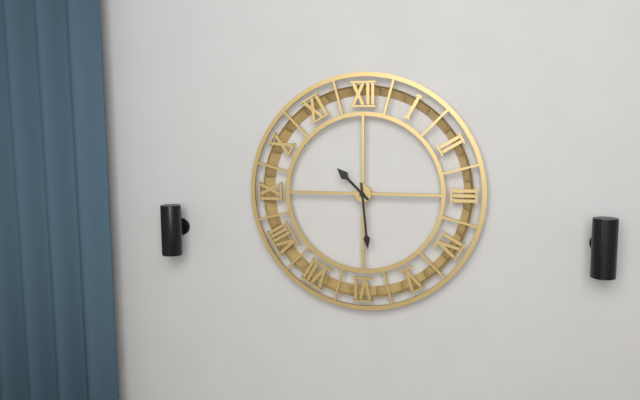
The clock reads 10.29
